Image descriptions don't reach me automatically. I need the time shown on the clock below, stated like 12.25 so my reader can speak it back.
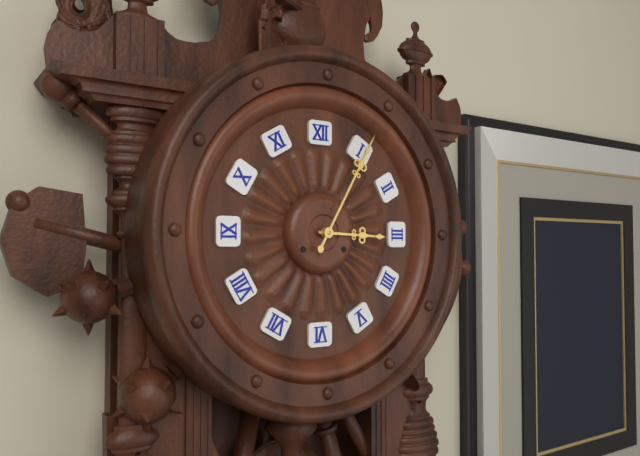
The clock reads 3.05
